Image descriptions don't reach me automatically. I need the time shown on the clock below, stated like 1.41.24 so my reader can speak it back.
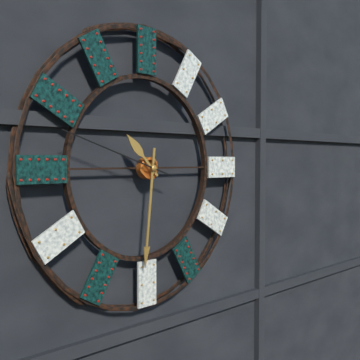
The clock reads 10.31.48
